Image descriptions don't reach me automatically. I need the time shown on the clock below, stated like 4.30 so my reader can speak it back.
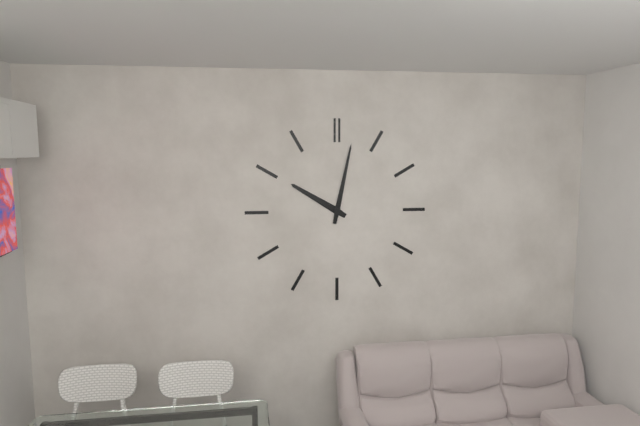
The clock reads 10.02
